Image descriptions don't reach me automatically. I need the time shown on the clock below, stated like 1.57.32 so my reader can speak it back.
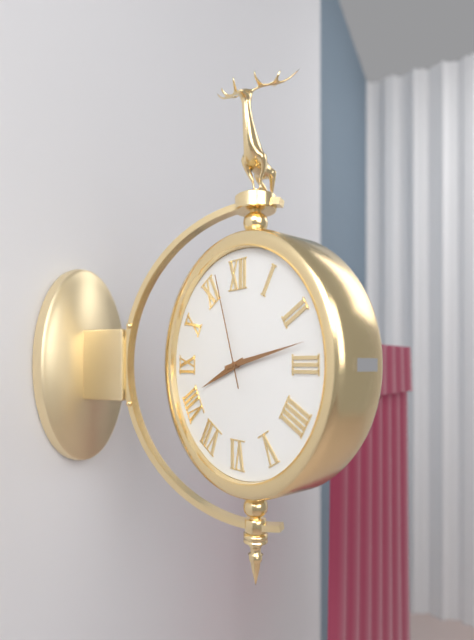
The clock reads 8.13.57
